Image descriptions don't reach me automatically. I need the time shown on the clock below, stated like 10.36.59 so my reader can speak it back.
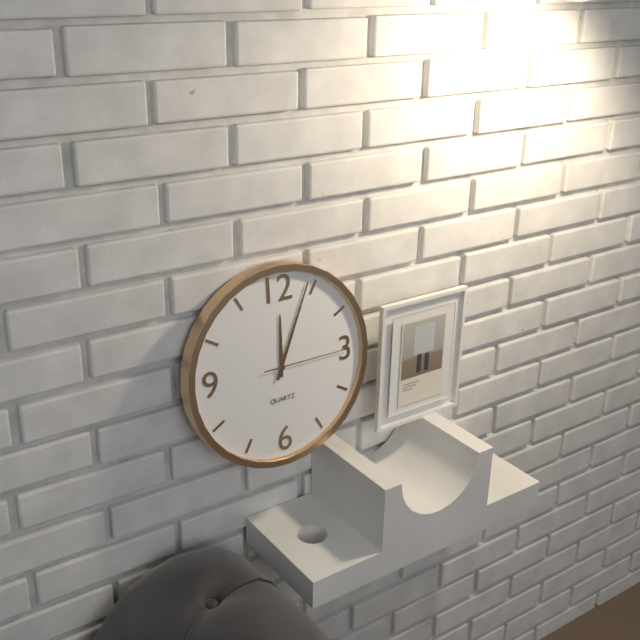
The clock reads 12.04.15
